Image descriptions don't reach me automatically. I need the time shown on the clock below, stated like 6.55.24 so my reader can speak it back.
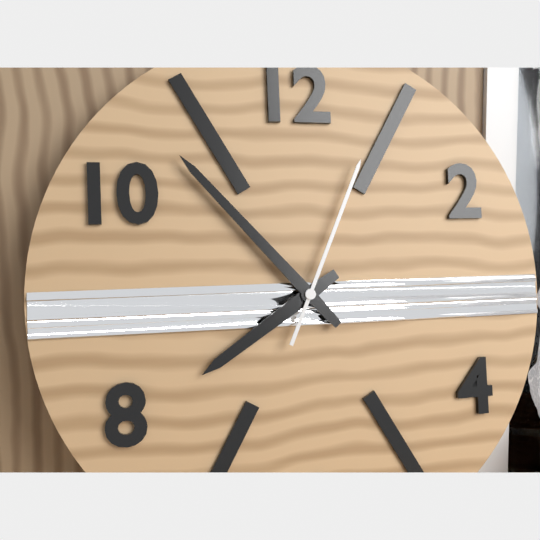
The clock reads 7.53.04
